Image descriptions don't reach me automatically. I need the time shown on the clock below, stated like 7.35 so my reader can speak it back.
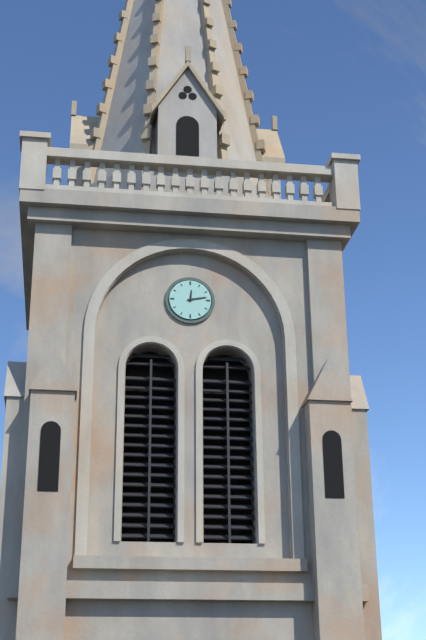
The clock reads 12.13
